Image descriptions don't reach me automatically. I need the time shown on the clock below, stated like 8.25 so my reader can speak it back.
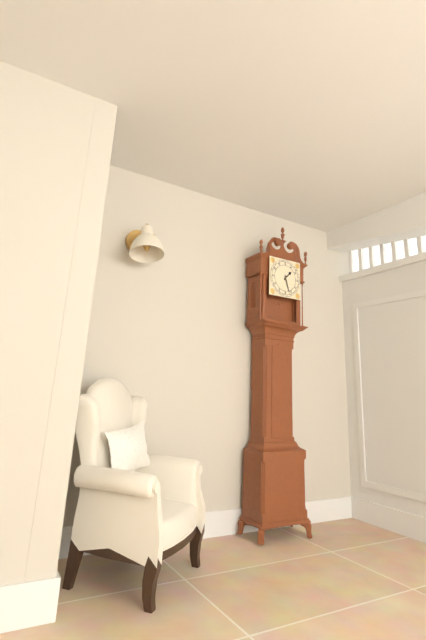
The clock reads 1.27
